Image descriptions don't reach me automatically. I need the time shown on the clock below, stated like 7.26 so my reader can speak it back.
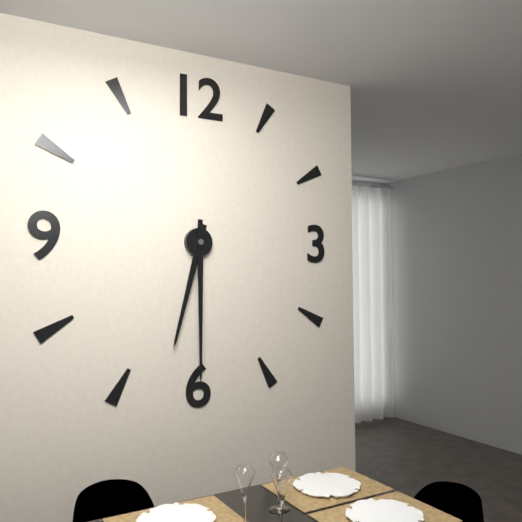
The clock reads 6.30
